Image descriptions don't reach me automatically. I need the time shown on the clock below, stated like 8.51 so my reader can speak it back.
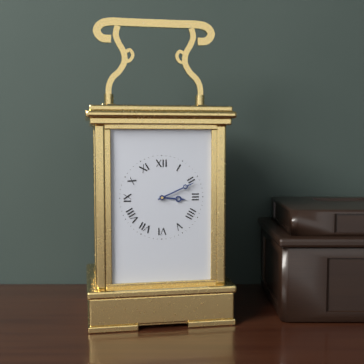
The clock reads 3.11
